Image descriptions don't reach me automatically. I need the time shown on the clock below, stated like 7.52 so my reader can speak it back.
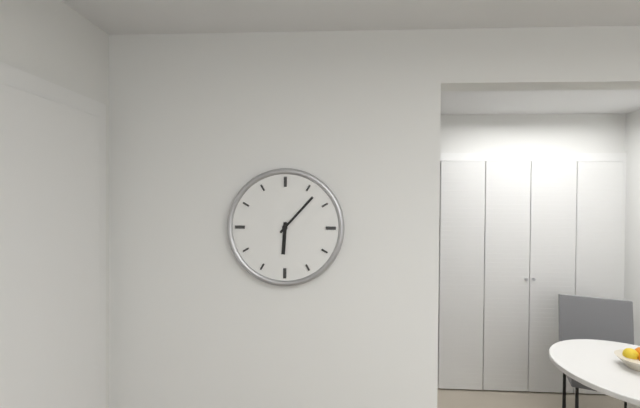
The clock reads 6.07
